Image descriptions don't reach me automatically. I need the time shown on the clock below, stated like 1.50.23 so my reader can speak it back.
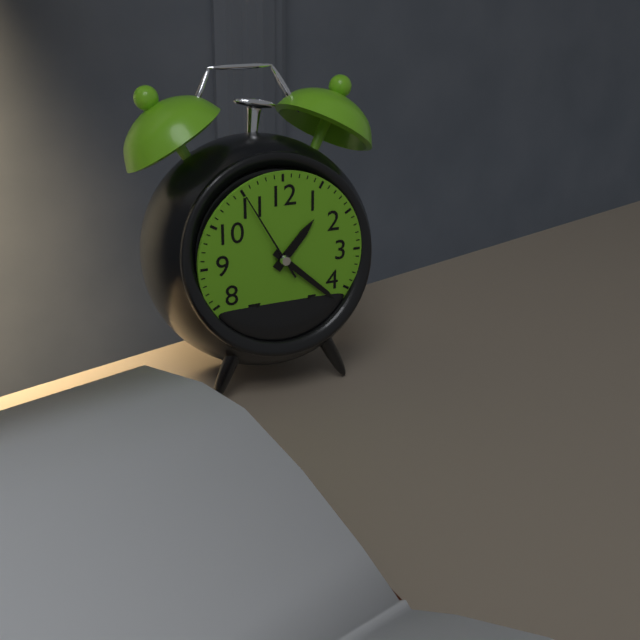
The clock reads 1.22.55
